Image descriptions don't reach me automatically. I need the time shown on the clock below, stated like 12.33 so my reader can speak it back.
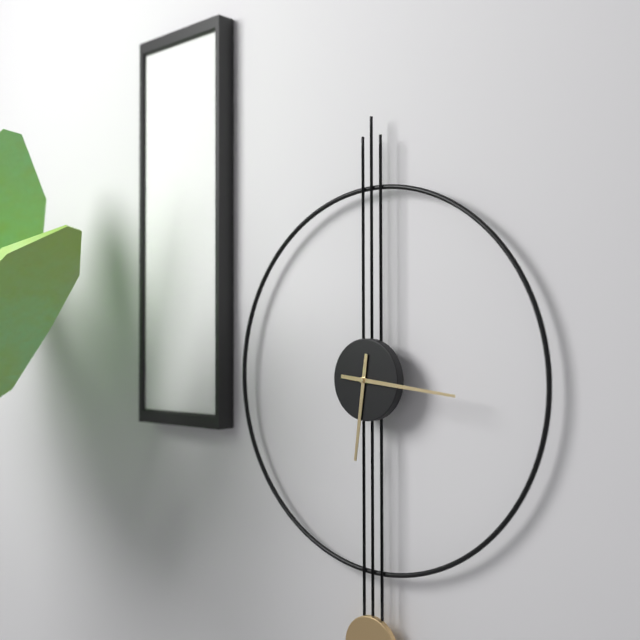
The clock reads 6.16
